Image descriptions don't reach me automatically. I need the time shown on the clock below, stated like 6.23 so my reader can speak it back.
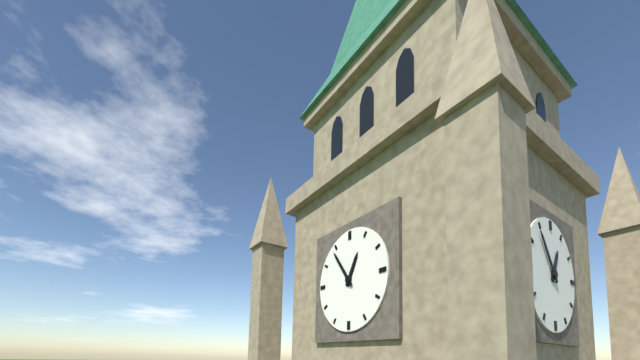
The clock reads 12.54
